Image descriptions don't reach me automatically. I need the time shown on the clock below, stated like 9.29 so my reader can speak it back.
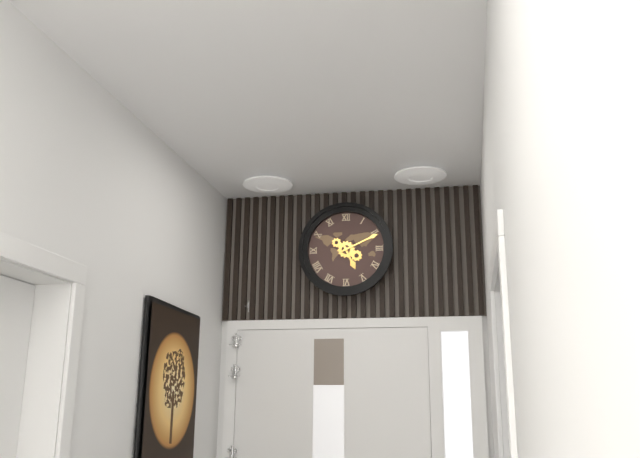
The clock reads 5.11
